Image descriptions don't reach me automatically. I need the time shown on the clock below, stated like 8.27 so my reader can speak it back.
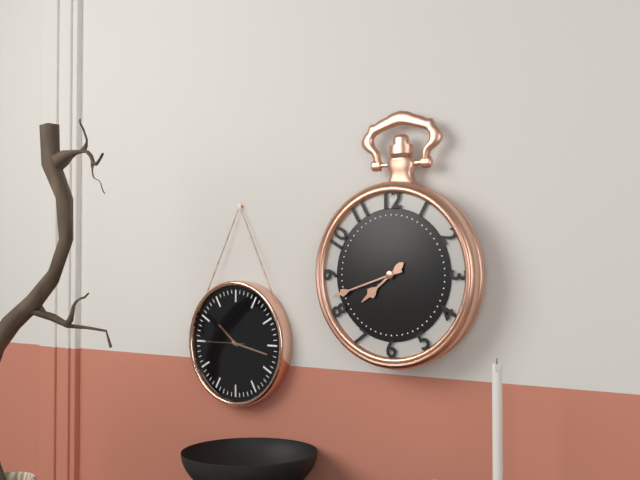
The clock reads 7.42
